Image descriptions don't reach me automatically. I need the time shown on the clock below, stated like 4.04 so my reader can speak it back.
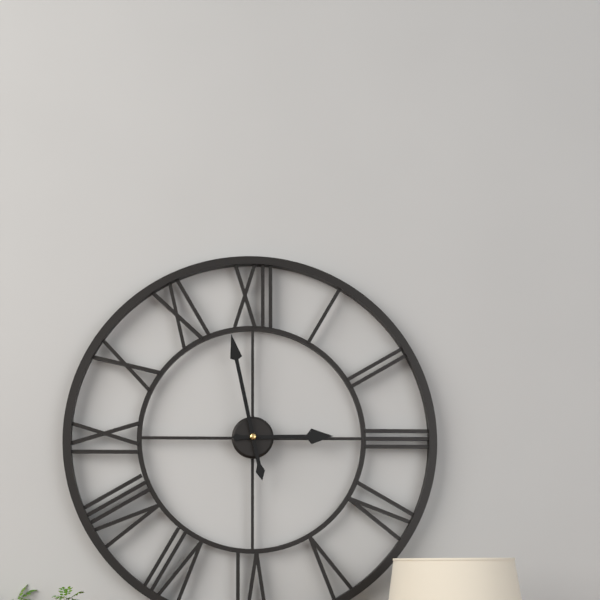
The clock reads 2.58
